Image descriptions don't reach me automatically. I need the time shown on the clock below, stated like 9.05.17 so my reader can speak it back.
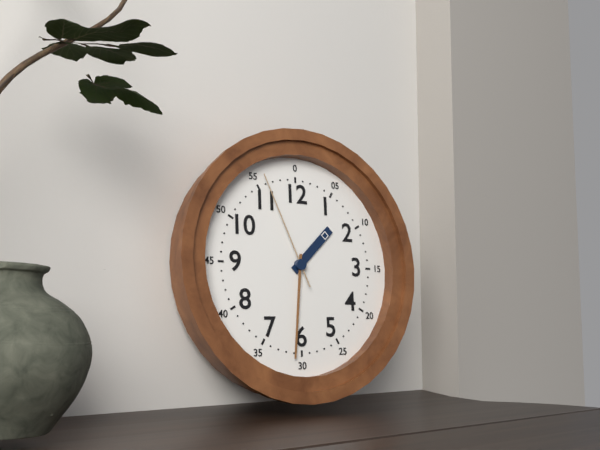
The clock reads 1.31.56
